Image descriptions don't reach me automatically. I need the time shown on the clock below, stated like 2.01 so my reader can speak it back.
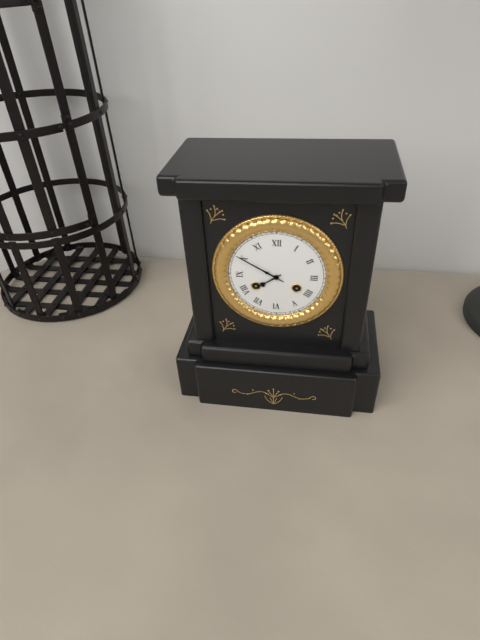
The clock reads 7.50
